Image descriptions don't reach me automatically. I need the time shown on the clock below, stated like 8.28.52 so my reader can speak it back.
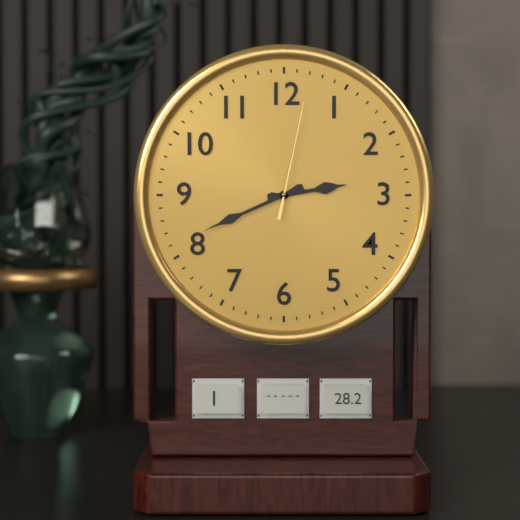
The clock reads 2.41.02
